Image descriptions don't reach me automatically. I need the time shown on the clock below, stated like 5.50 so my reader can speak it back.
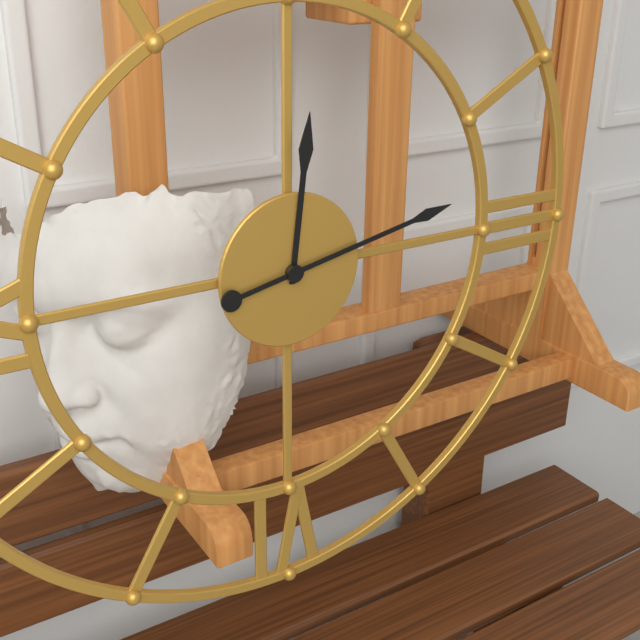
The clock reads 12.13
